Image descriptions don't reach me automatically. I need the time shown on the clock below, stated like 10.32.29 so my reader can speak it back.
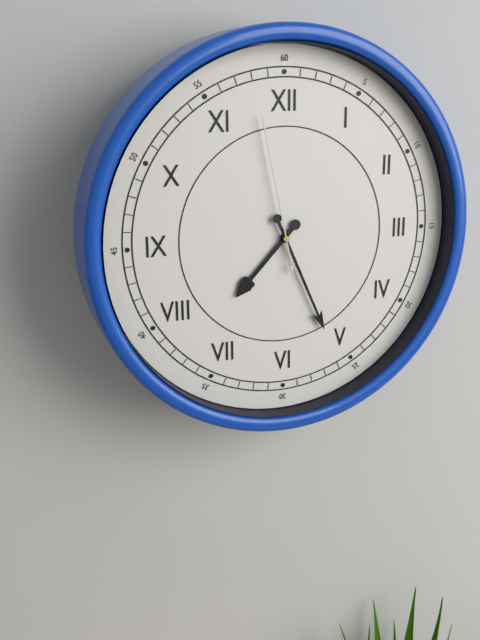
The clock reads 7.26.58
